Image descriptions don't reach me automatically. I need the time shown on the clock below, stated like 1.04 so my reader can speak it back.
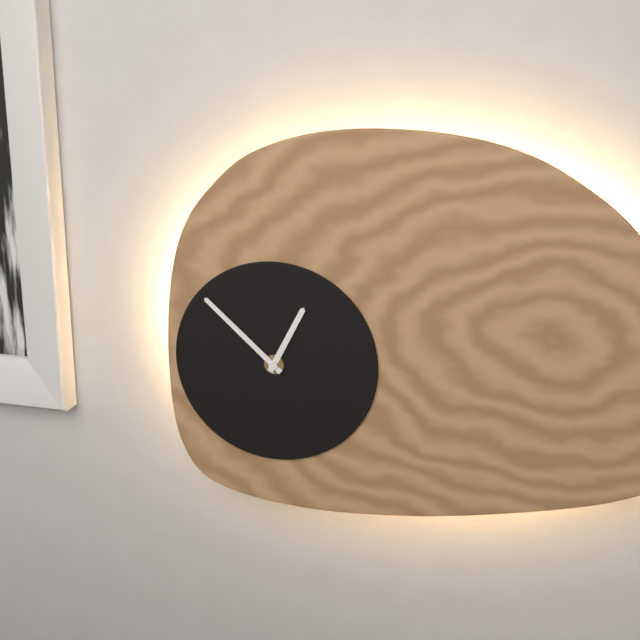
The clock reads 12.52
